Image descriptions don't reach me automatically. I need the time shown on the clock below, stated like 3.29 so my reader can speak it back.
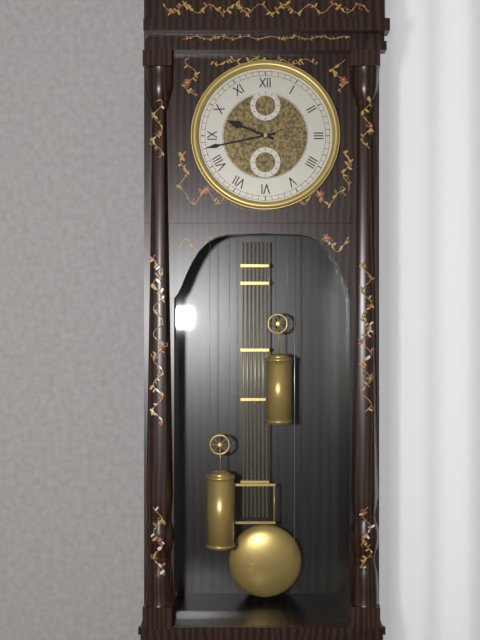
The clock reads 9.43
